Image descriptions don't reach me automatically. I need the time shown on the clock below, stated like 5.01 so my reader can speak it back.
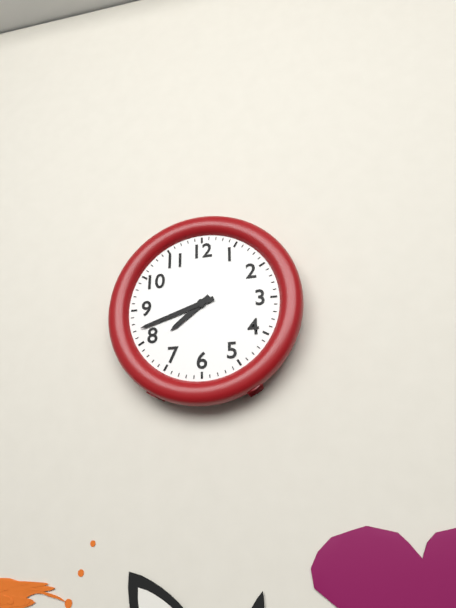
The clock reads 7.42
